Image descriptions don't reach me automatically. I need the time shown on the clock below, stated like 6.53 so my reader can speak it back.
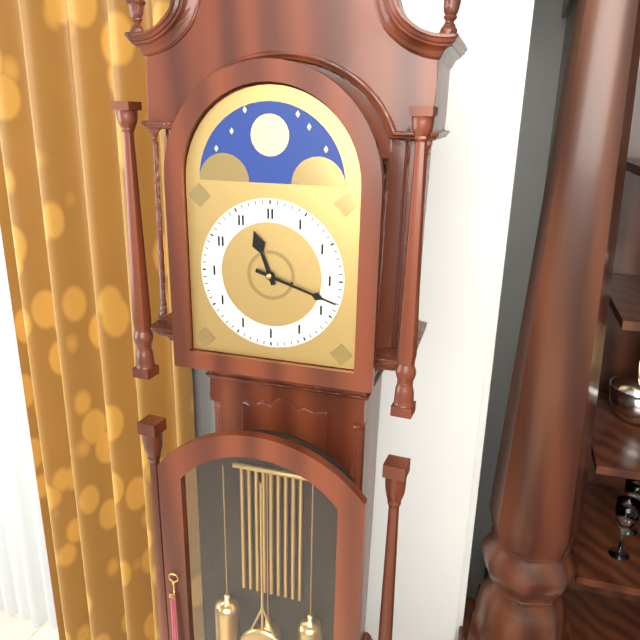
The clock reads 11.18
